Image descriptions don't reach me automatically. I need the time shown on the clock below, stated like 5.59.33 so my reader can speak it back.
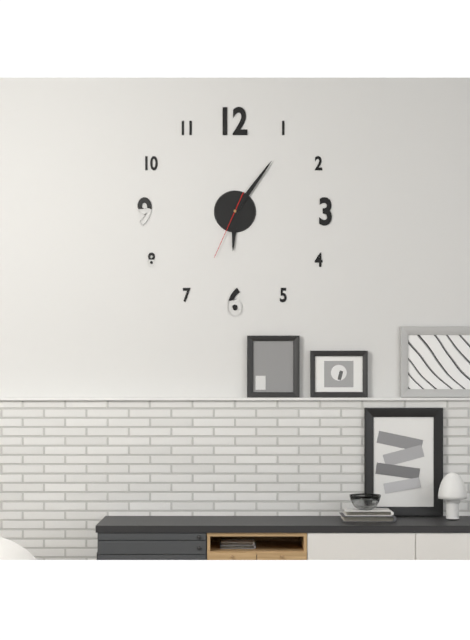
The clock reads 6.06.34
